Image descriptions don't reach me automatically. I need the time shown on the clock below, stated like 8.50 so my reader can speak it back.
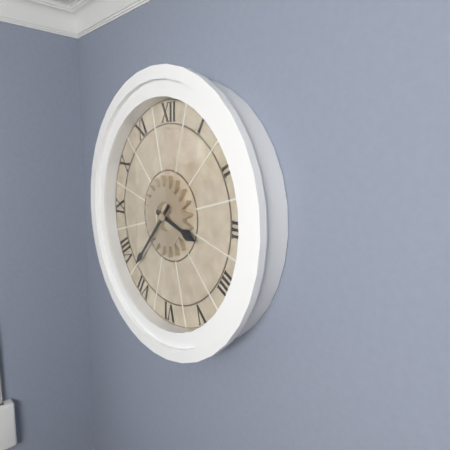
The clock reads 3.37
